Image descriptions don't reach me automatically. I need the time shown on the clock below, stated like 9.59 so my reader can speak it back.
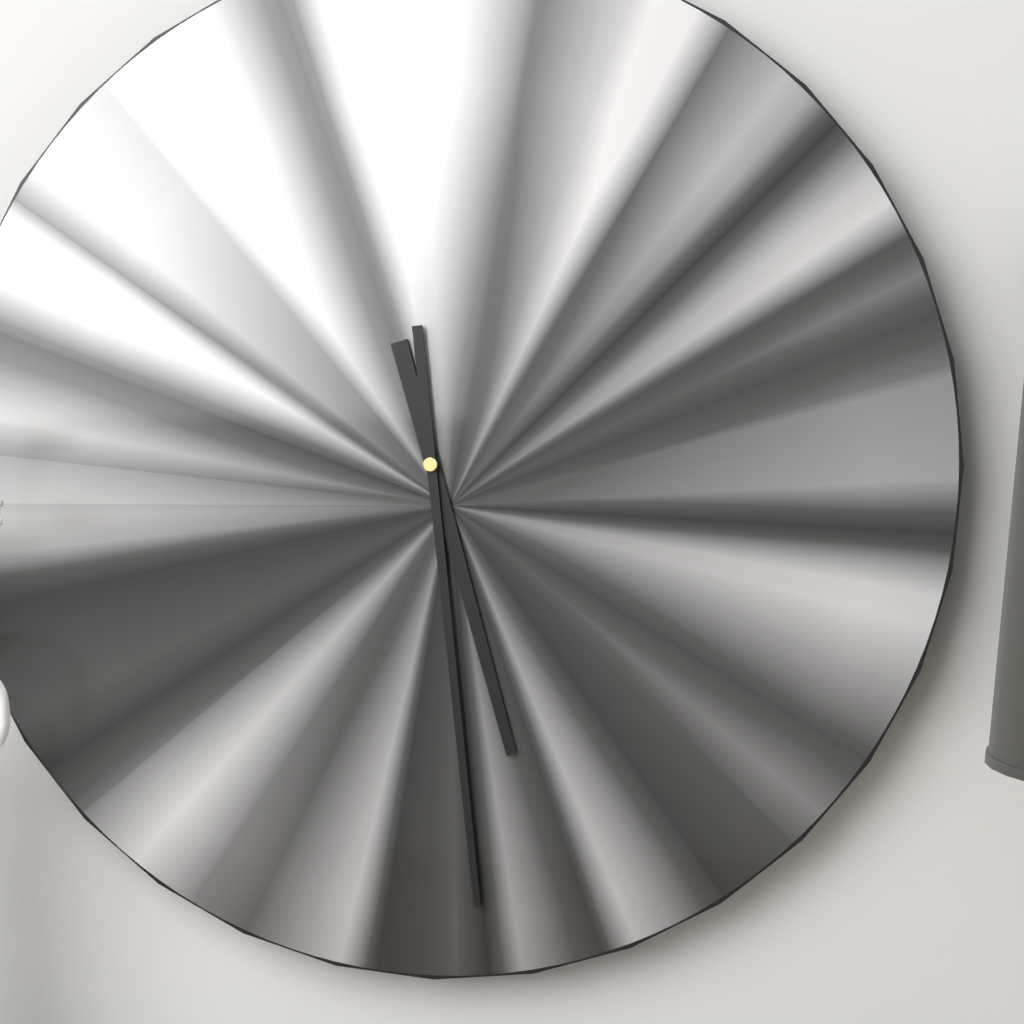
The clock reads 5.29
